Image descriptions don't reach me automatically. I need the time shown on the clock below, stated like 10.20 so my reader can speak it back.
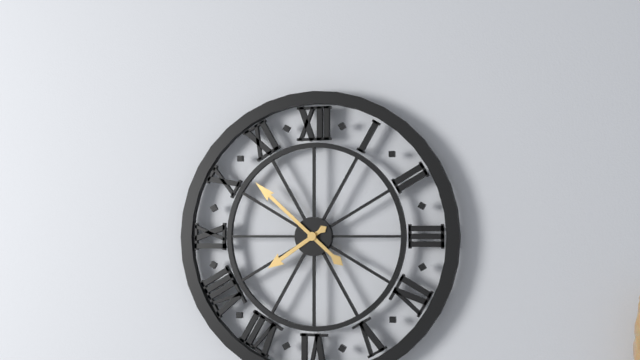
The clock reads 7.52
